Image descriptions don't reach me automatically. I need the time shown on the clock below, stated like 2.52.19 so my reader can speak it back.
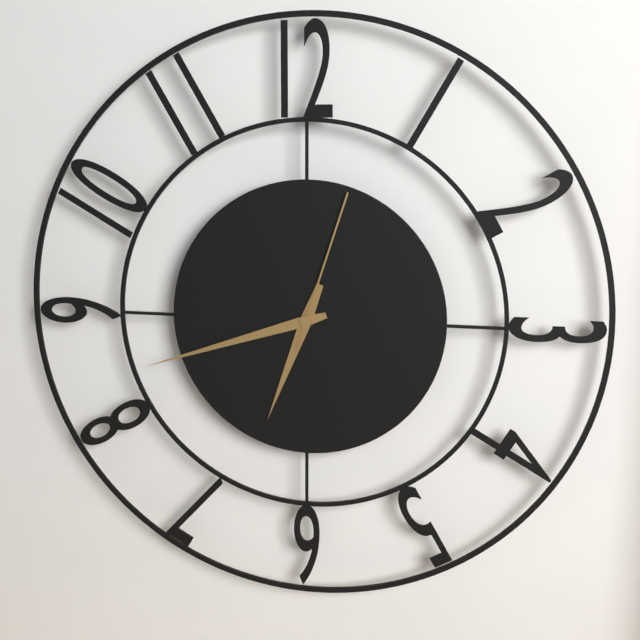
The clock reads 6.42.03
